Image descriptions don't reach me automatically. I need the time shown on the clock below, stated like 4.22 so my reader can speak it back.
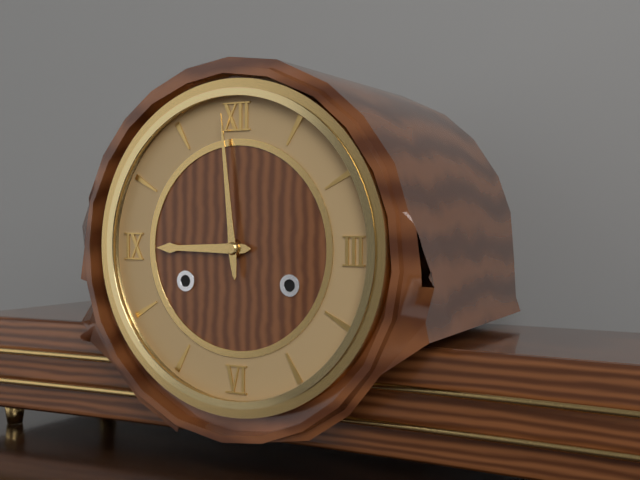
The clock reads 8.59
